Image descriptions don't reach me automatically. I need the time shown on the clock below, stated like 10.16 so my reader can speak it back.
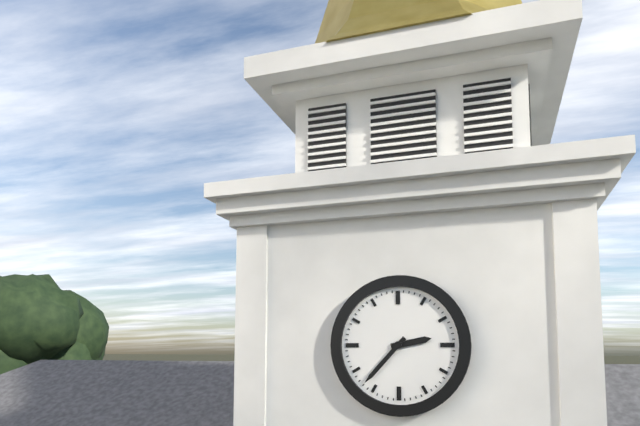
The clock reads 2.37
